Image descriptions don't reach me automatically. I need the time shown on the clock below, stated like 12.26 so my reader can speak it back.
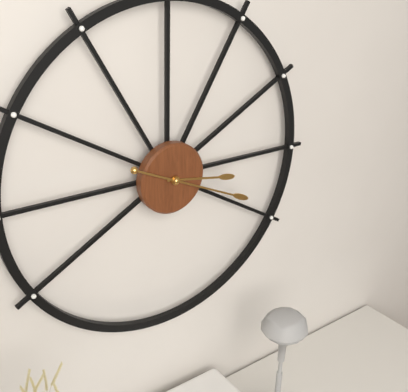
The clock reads 3.19
